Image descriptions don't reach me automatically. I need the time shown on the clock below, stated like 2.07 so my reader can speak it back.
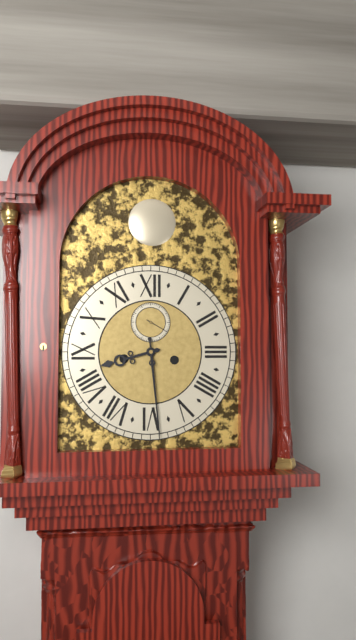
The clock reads 8.29
